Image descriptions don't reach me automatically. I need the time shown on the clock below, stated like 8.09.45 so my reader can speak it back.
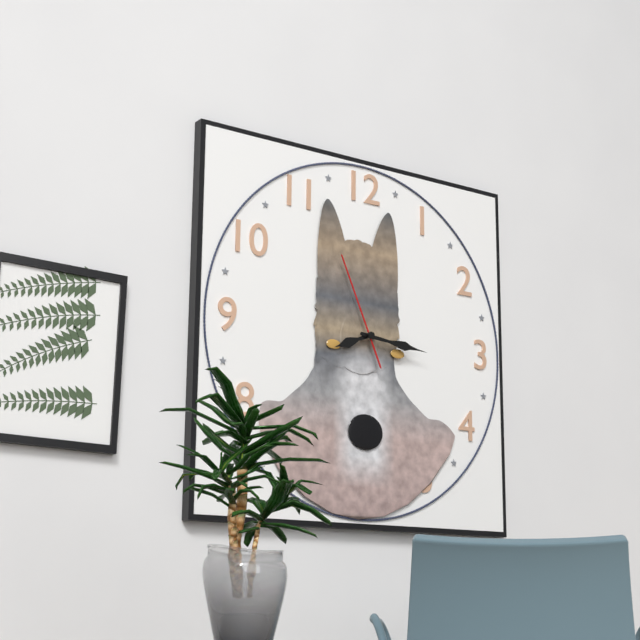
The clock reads 8.16.56
